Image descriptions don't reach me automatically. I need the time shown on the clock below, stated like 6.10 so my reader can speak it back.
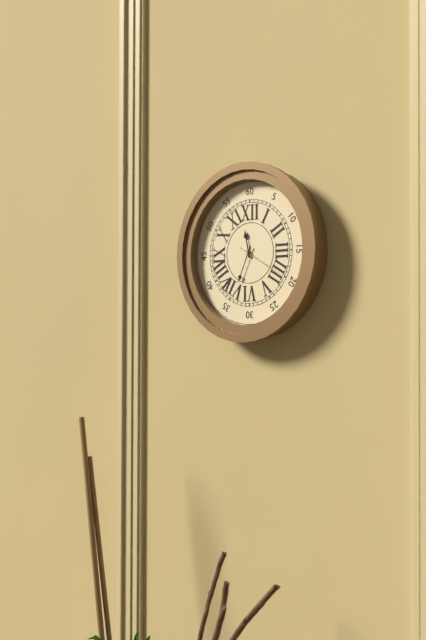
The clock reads 11.34
